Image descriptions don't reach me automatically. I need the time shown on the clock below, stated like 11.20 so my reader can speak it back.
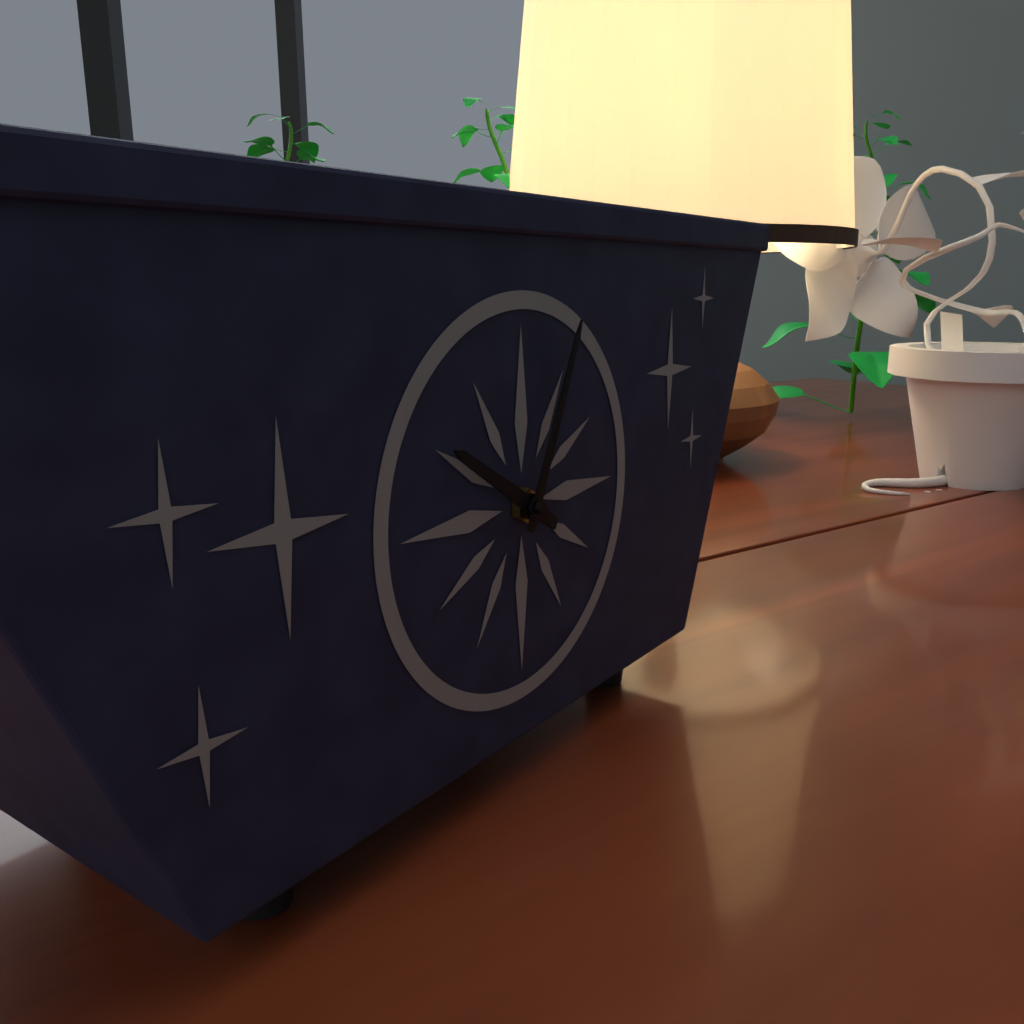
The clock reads 10.04
